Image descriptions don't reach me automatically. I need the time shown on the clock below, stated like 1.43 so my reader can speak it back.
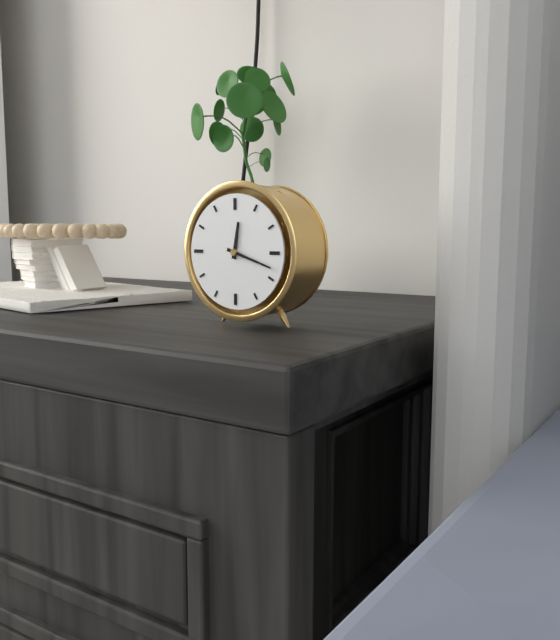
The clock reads 12.18
